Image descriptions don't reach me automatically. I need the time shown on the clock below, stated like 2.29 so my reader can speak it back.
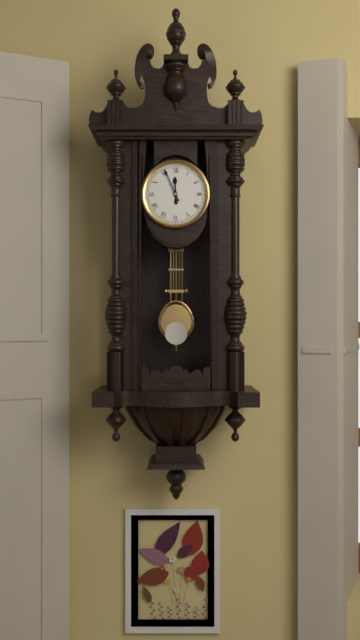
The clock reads 11.56
